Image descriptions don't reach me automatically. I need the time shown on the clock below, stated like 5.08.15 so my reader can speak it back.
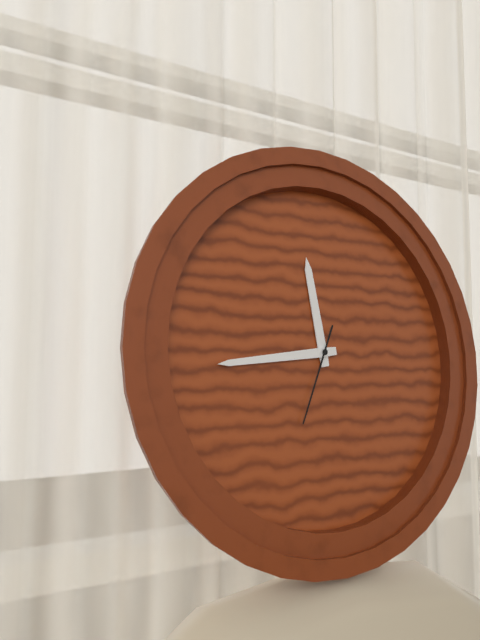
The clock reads 11.44.34
